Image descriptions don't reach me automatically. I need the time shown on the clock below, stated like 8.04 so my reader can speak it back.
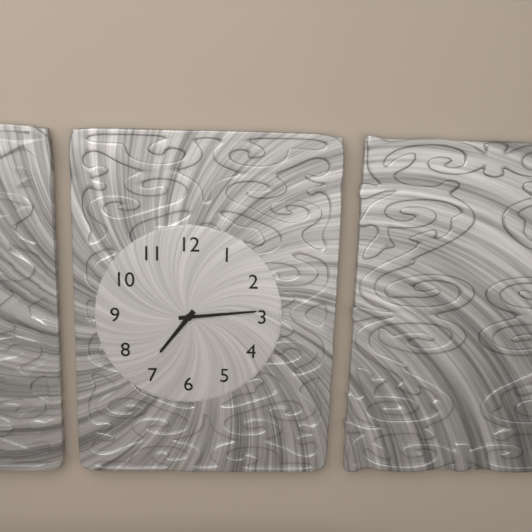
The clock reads 7.14
